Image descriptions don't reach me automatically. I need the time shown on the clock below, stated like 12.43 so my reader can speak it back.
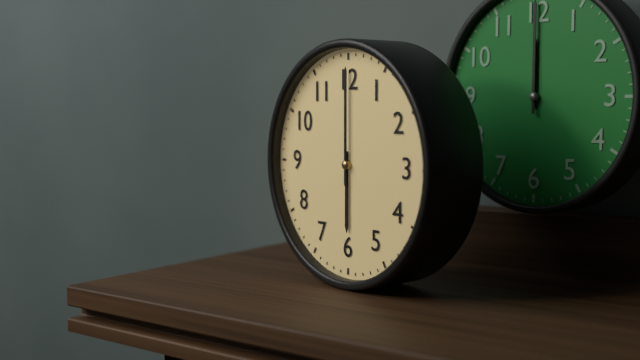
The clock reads 6.00
